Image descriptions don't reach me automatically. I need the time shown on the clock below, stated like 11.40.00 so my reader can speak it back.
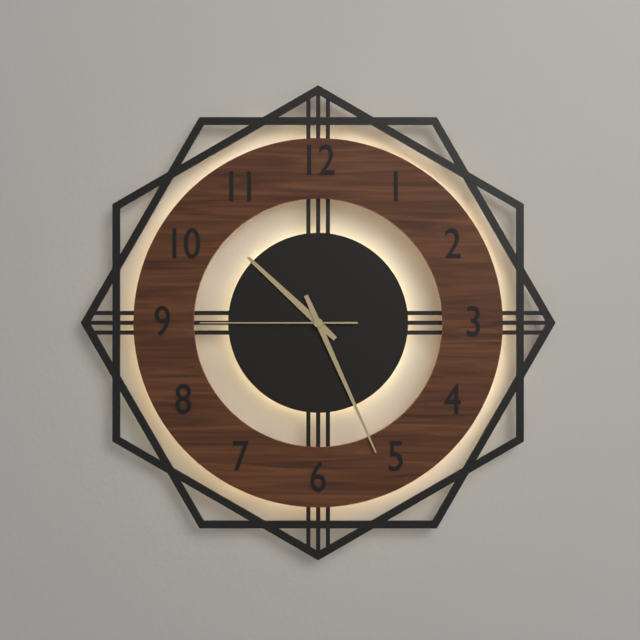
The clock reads 10.26.45
